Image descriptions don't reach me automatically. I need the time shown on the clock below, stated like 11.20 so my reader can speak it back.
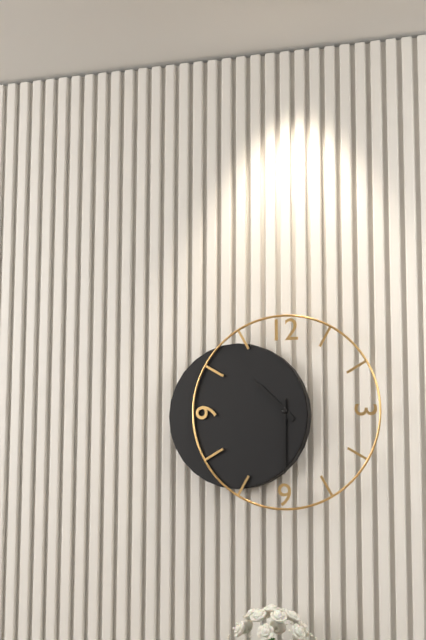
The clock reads 10.30
